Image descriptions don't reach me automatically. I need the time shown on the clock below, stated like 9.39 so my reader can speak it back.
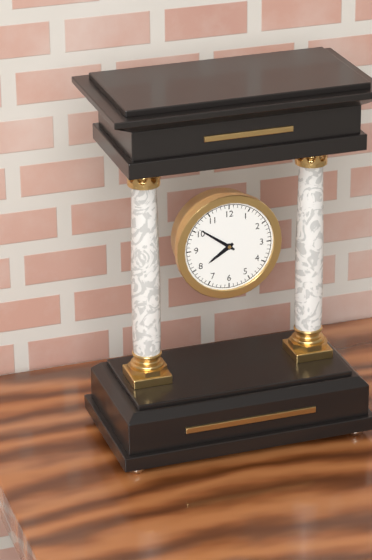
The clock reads 7.51
